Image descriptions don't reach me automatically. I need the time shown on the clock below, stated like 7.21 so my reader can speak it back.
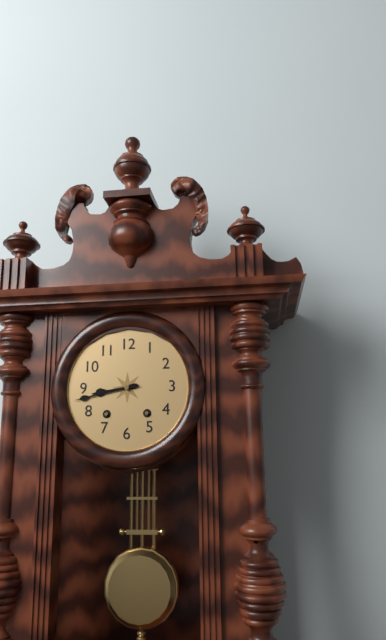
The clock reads 8.43
